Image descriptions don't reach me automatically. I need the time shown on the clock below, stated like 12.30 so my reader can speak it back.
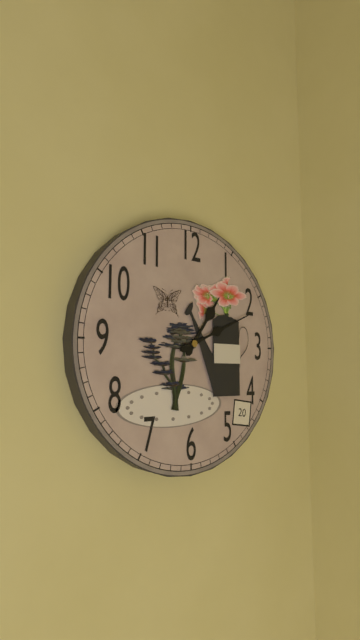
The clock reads 1.11
